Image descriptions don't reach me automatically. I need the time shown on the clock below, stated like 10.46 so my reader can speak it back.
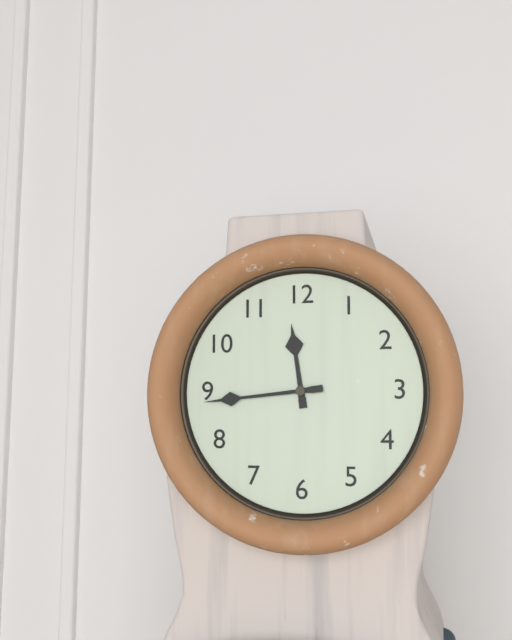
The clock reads 11.44
